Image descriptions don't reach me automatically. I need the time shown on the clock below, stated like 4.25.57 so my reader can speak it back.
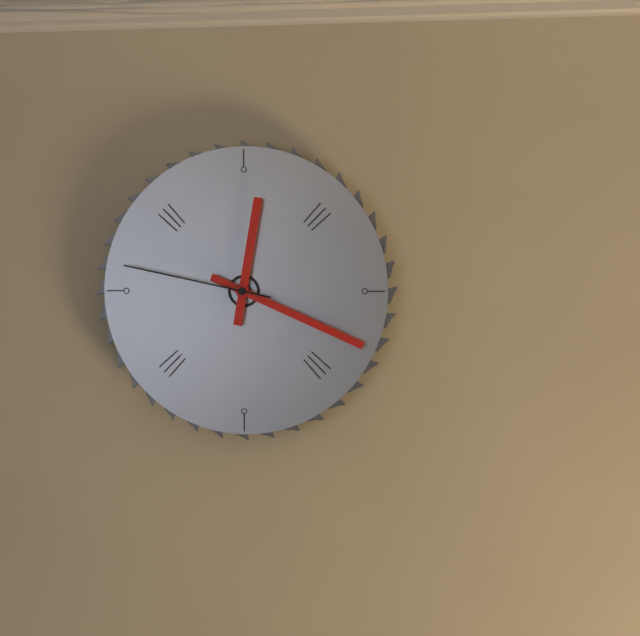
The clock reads 12.19.47
